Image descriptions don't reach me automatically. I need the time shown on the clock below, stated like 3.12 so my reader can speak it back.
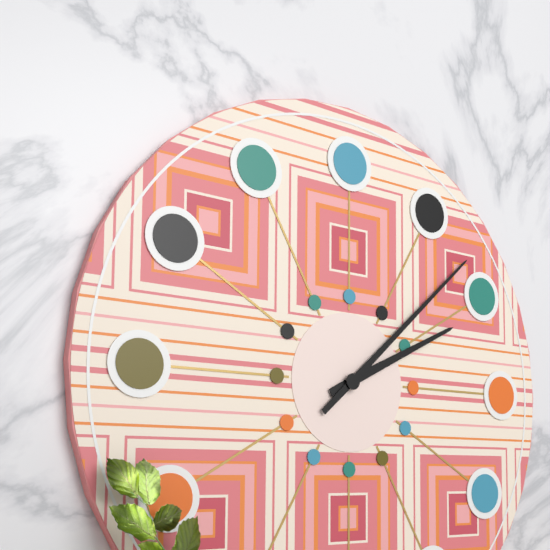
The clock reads 2.08
